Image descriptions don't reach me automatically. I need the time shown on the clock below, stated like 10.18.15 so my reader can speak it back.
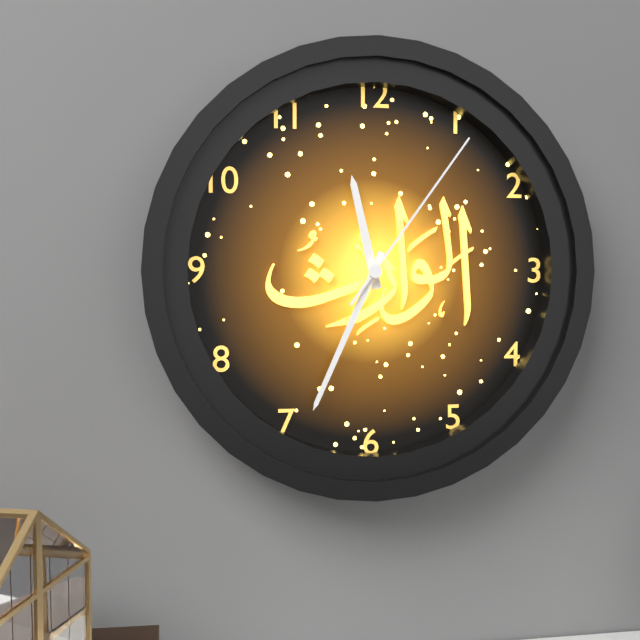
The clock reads 11.34.06
